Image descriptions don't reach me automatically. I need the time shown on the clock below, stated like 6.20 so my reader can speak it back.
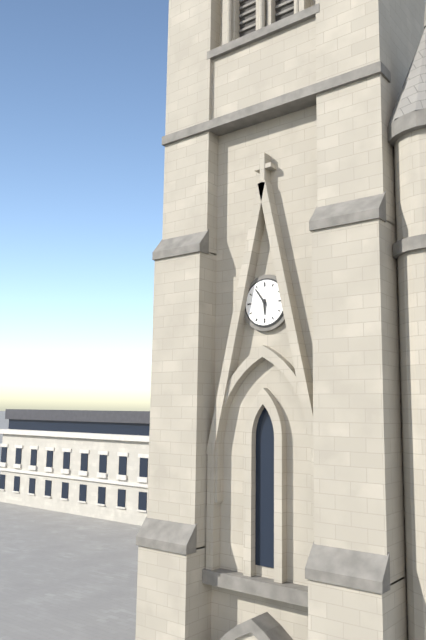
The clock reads 5.54
